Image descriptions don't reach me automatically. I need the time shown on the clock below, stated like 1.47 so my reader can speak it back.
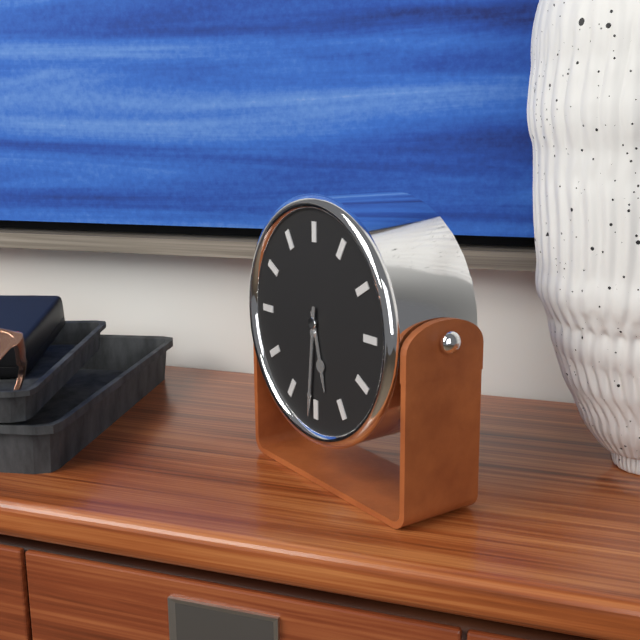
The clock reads 5.31
